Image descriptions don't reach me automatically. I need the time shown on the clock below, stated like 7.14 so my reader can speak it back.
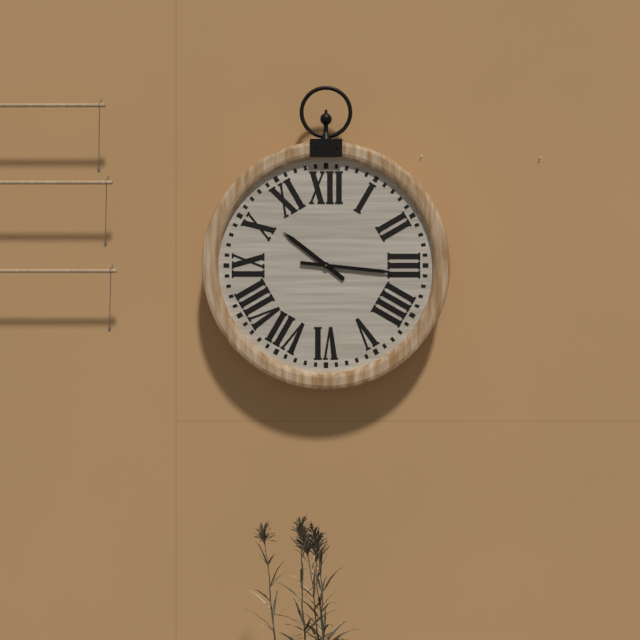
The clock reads 10.16
